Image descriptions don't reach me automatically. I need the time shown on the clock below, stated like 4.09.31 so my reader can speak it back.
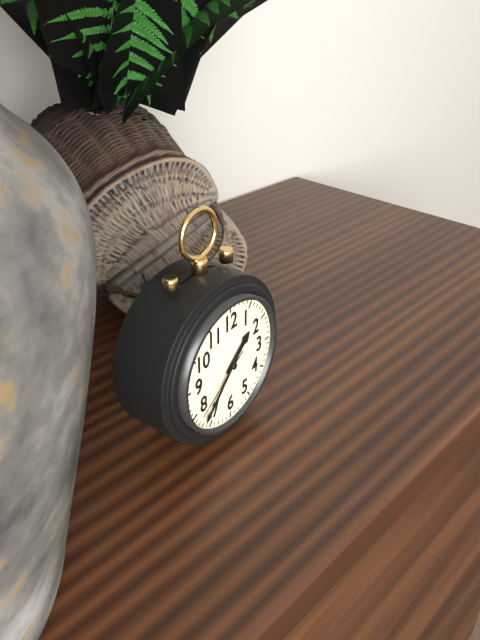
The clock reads 1.37.39
